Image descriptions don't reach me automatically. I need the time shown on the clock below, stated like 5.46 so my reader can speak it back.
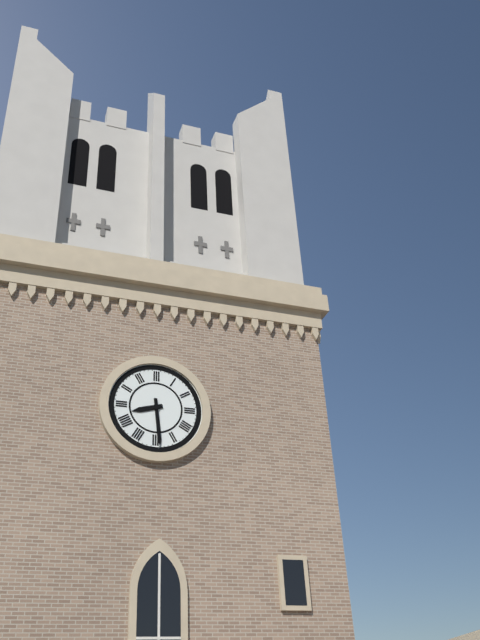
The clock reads 8.29
